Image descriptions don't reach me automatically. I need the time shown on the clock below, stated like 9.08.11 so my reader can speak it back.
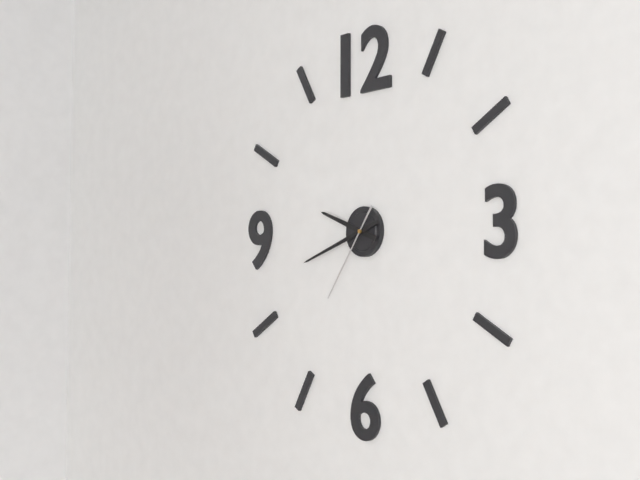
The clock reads 9.42.36
